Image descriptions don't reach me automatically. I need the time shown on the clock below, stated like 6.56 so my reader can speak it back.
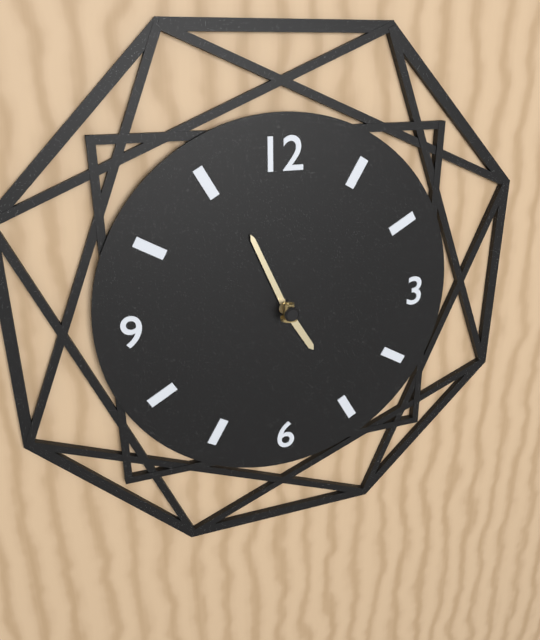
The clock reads 4.56
